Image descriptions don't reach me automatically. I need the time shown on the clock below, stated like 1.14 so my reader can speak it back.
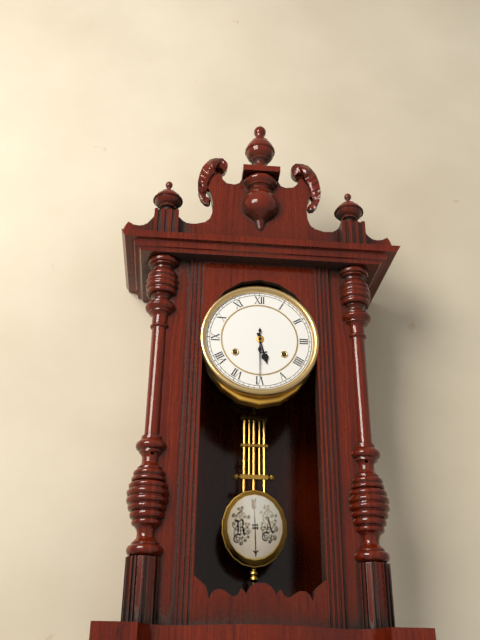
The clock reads 5.30
